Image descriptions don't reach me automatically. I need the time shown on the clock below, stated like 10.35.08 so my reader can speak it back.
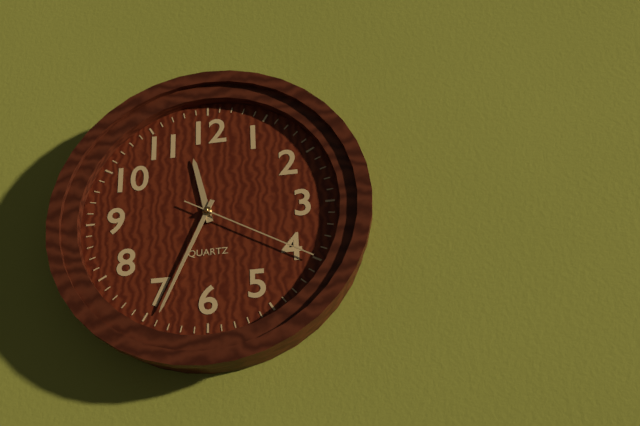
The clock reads 11.34.20
